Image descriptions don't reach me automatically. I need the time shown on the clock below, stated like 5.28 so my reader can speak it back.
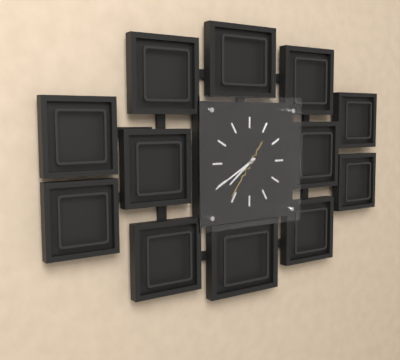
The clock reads 7.40
